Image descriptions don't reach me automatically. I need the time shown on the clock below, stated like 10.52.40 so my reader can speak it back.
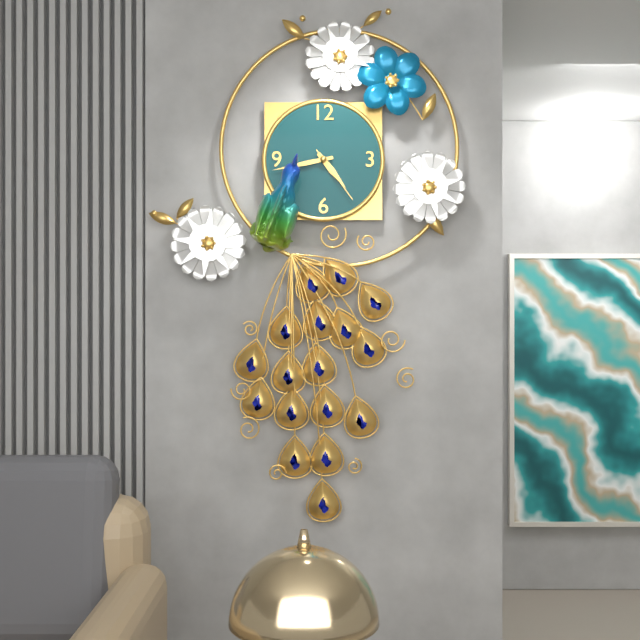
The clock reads 4.43.24
